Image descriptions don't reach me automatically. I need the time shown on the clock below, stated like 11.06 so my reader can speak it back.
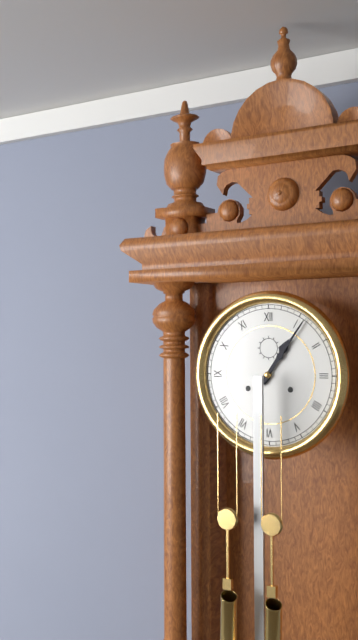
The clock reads 1.06
